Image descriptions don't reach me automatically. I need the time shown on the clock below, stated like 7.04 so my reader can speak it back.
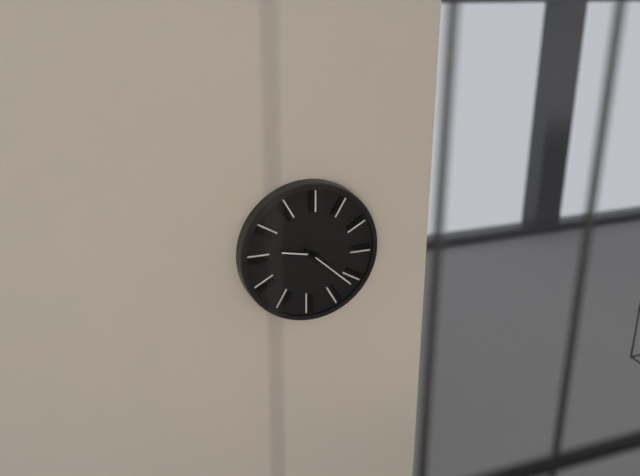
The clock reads 9.22
